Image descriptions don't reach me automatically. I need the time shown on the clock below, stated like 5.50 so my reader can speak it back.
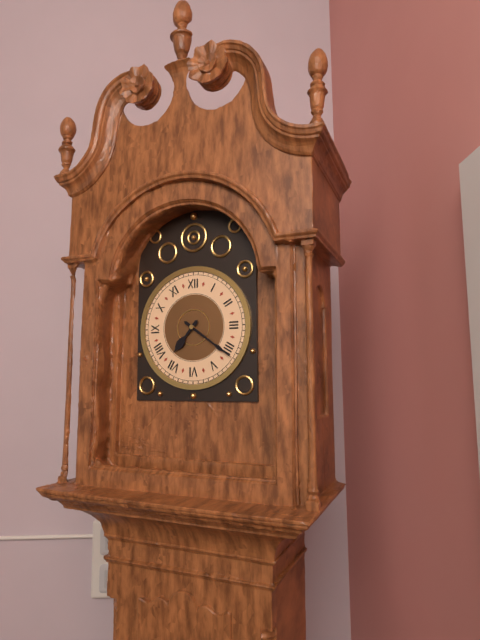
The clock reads 7.21
